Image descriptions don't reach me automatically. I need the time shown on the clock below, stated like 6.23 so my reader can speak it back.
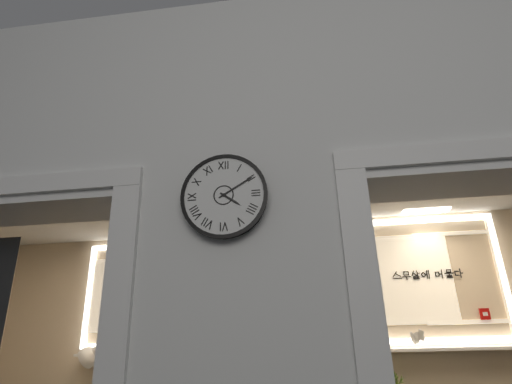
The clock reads 4.10
